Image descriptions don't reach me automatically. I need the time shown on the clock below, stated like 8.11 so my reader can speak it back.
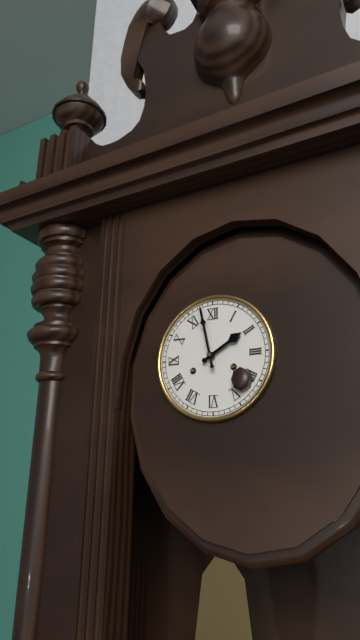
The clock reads 1.58
